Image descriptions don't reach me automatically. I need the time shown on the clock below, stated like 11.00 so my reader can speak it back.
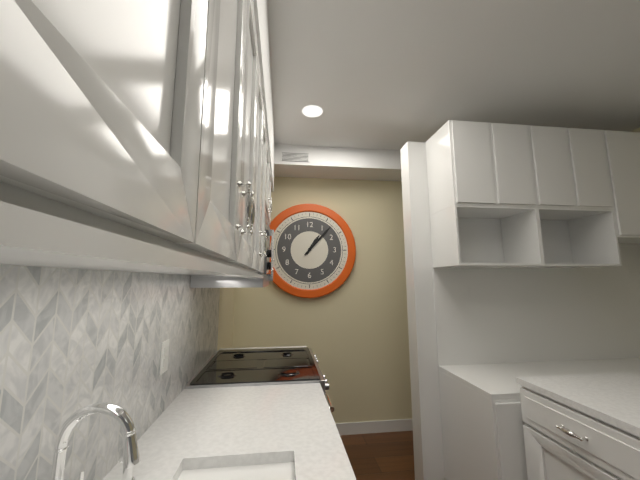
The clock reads 1.07
